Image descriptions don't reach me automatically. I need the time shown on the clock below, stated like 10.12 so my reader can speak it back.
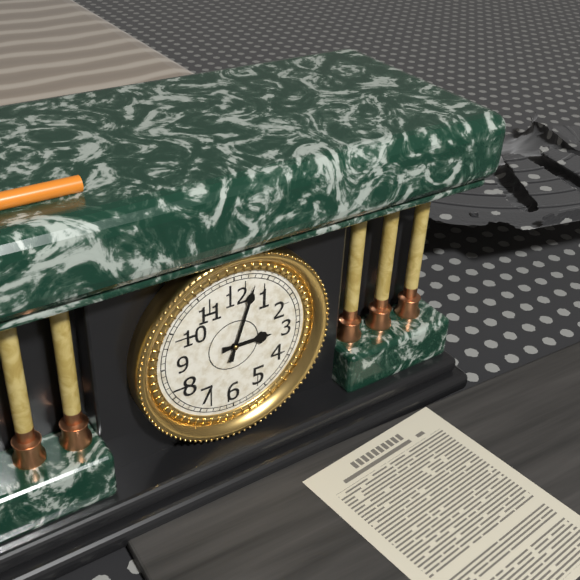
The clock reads 3.03
